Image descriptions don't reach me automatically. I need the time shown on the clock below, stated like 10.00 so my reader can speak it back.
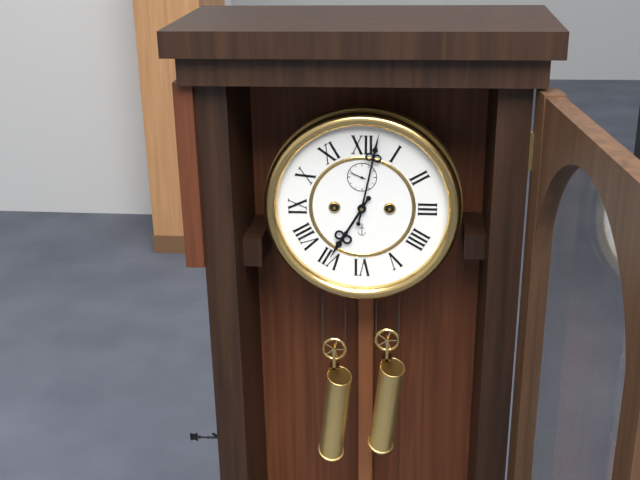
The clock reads 7.02
